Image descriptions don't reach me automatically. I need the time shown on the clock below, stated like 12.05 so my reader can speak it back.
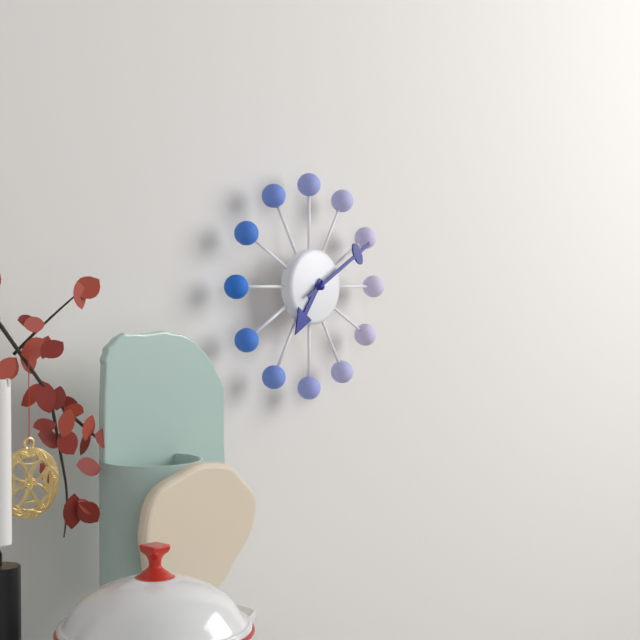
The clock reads 7.10
